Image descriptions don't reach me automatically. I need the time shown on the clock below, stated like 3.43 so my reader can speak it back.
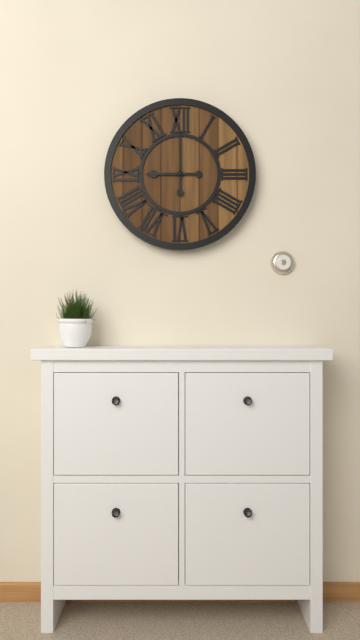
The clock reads 9.00
